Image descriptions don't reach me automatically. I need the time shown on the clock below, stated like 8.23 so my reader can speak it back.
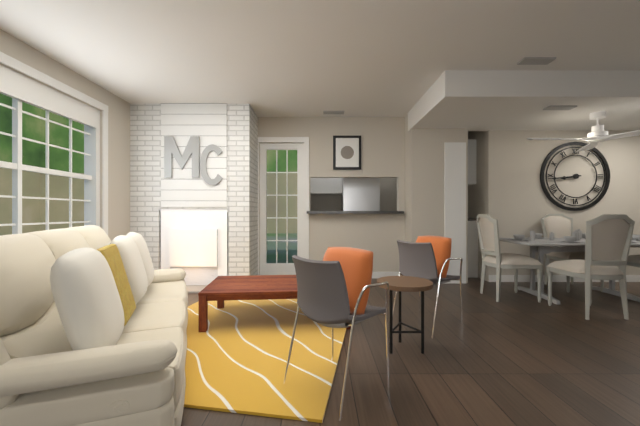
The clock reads 8.44
